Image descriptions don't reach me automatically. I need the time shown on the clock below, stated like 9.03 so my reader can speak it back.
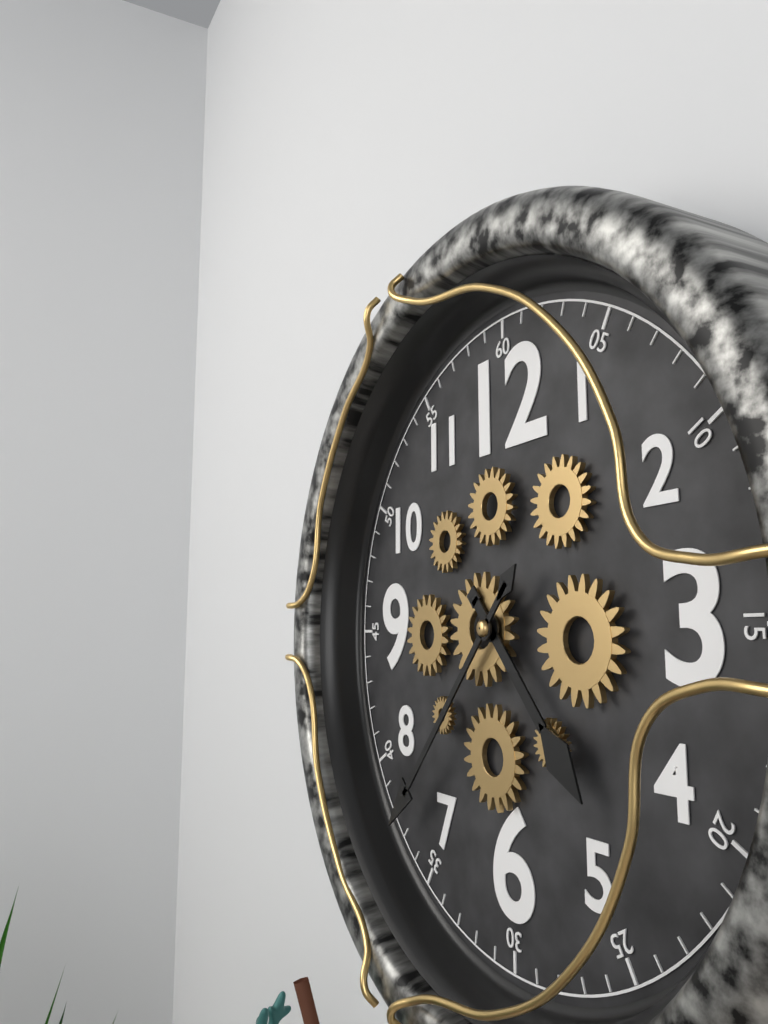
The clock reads 4.37
